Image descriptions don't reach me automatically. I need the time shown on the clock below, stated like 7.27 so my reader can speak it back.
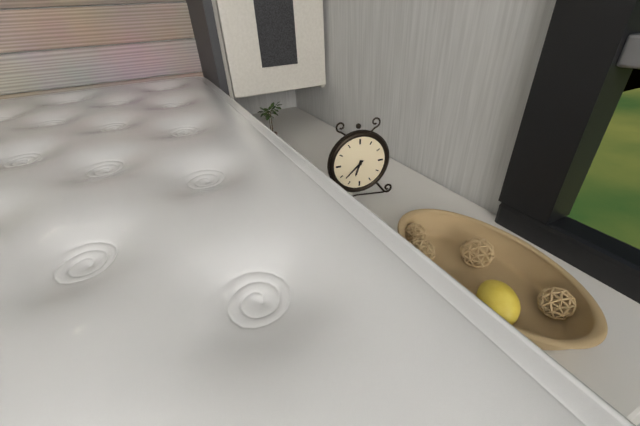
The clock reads 6.38
